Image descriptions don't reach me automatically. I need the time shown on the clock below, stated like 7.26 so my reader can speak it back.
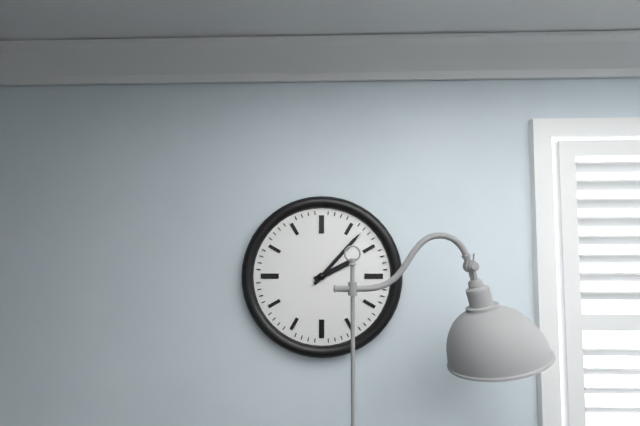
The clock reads 2.07
